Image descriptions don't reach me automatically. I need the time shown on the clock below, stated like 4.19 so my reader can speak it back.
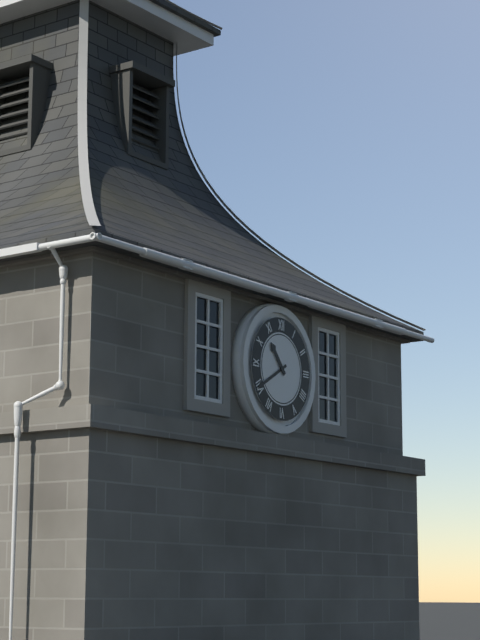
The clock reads 10.40
